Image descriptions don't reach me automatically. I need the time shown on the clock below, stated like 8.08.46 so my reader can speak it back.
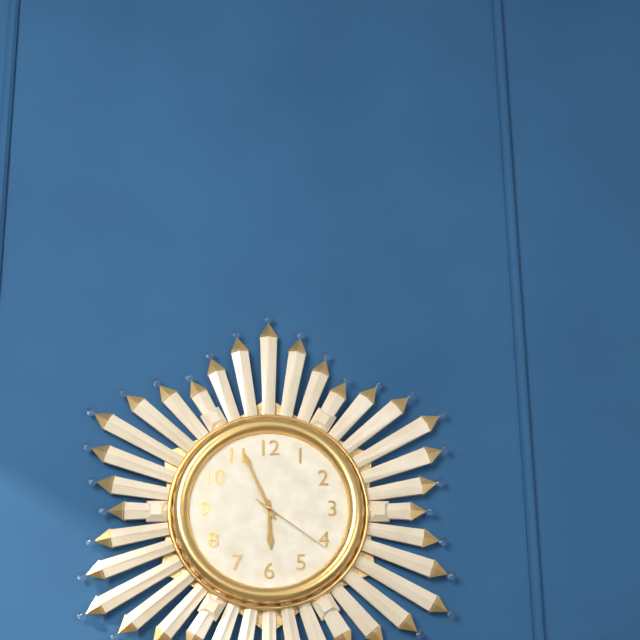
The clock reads 5.56.21
